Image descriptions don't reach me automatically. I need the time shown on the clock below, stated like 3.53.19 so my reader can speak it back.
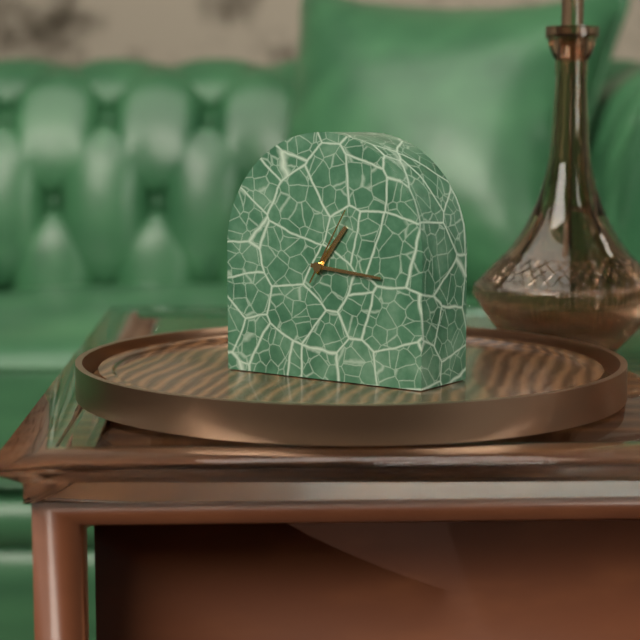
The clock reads 1.16.05
